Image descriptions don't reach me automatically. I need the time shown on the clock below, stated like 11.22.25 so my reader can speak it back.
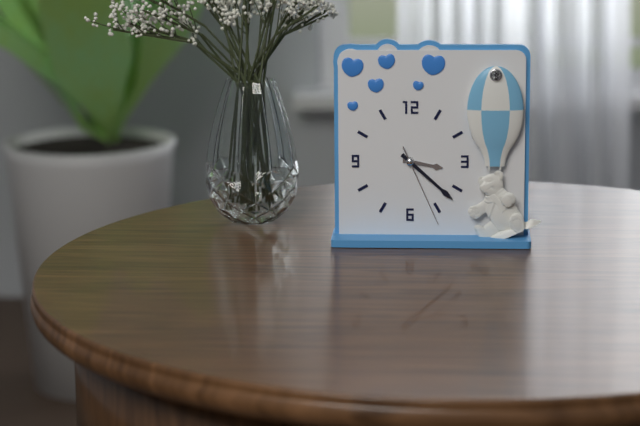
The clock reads 3.22.26
